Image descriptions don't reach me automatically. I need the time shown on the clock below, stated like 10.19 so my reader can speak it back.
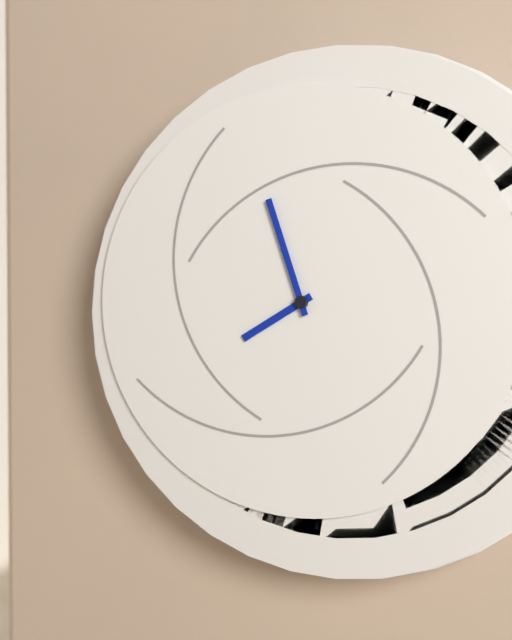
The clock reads 7.57
